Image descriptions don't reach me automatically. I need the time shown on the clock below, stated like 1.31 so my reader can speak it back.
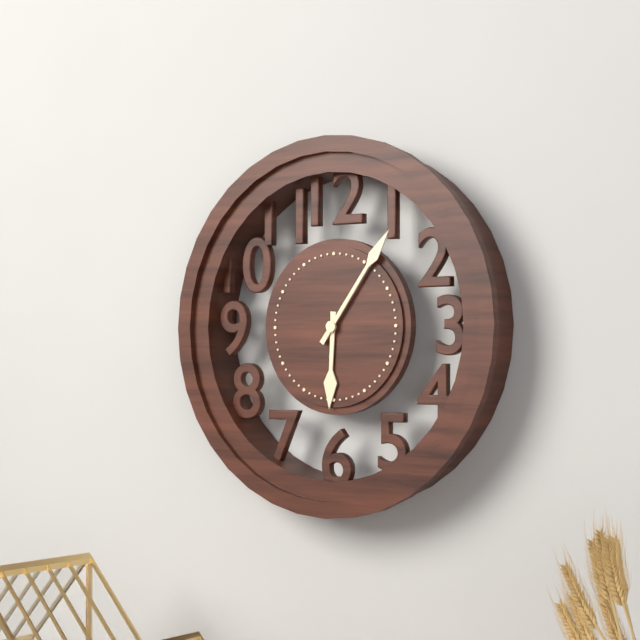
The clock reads 6.06
